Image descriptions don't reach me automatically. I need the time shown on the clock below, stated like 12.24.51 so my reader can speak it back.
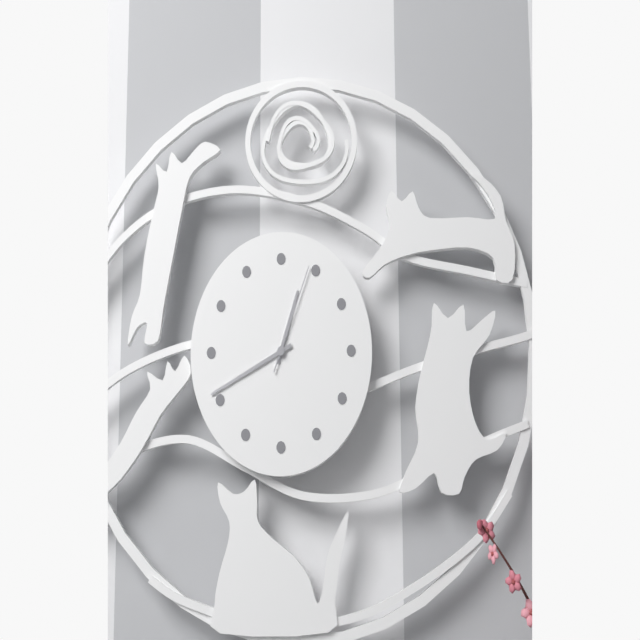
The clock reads 12.41.04
